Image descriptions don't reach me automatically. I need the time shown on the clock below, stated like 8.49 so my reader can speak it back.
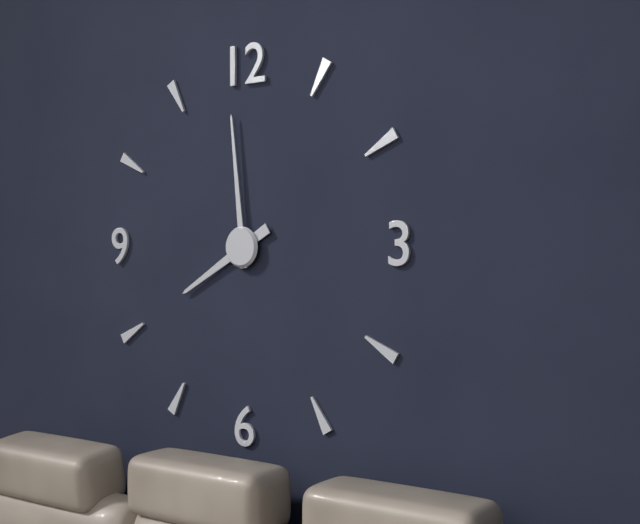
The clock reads 7.59
